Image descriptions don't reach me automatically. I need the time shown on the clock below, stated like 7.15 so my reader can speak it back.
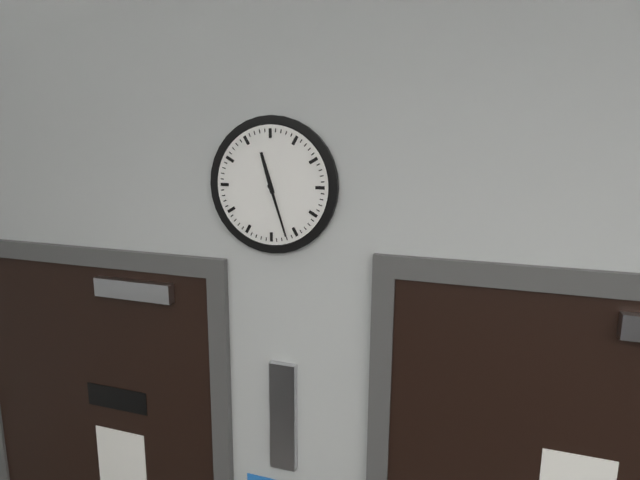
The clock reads 11.27
